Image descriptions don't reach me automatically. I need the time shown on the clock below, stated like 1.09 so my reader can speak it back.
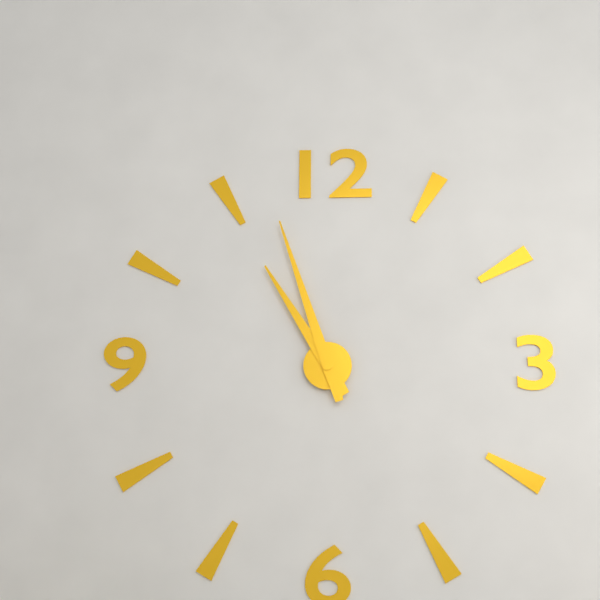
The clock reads 10.57
